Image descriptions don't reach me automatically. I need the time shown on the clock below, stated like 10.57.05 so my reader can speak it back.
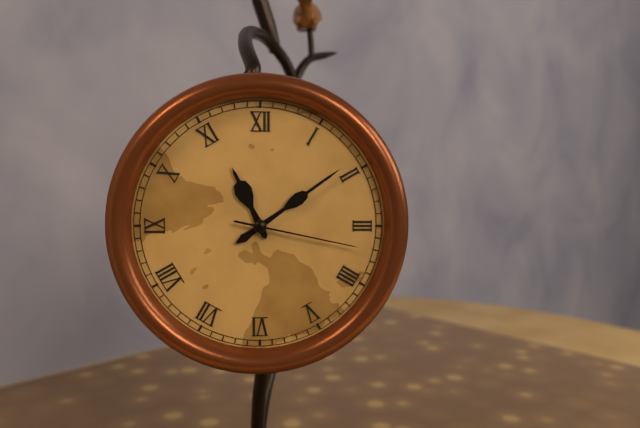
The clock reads 11.09.17
